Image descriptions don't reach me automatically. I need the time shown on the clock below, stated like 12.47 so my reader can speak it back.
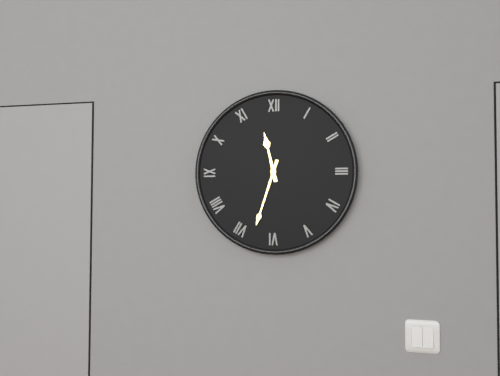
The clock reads 11.33
